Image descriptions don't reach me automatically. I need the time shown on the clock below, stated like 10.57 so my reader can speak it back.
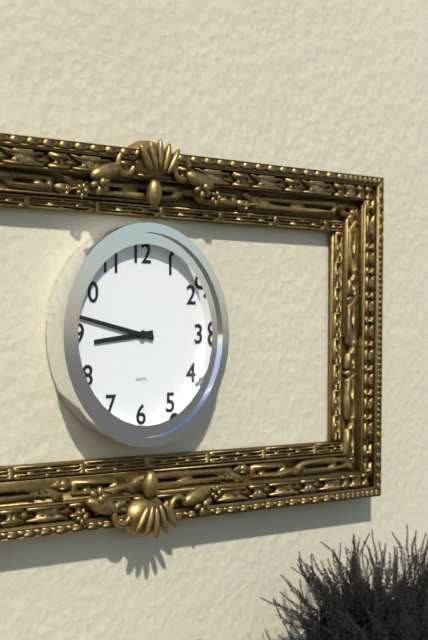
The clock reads 8.47
